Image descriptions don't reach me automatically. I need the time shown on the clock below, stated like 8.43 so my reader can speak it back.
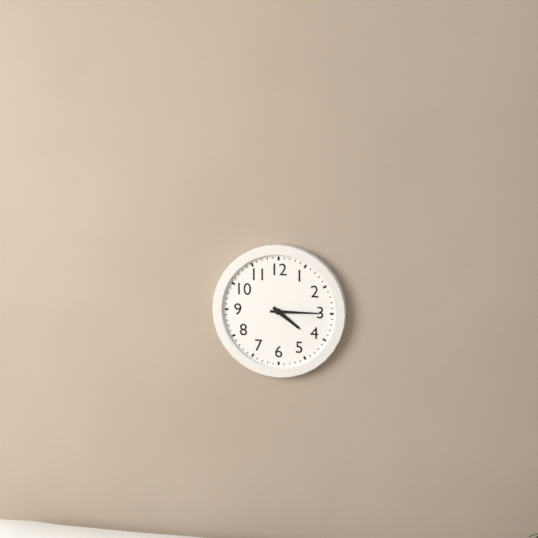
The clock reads 4.15
